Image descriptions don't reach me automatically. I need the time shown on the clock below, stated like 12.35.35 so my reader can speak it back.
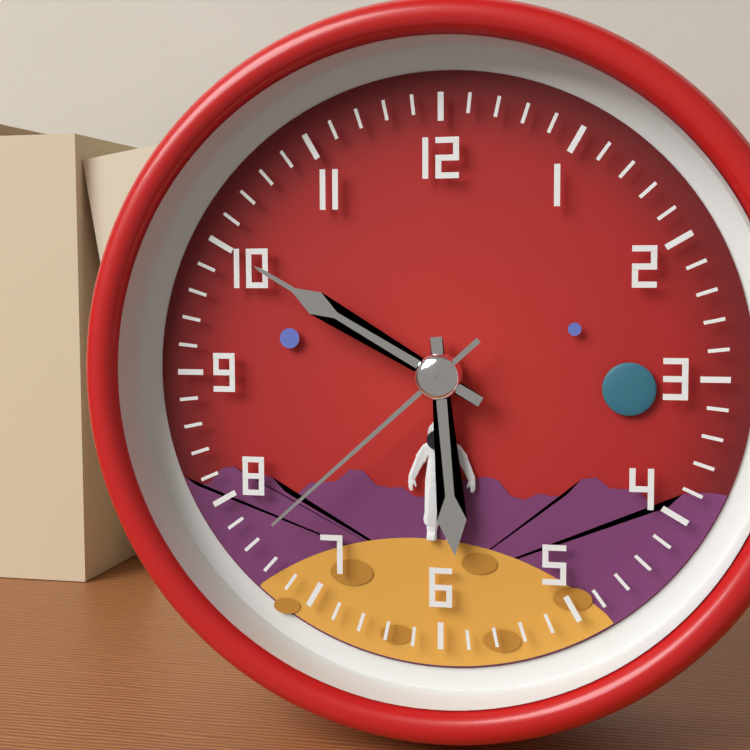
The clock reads 5.50.38
